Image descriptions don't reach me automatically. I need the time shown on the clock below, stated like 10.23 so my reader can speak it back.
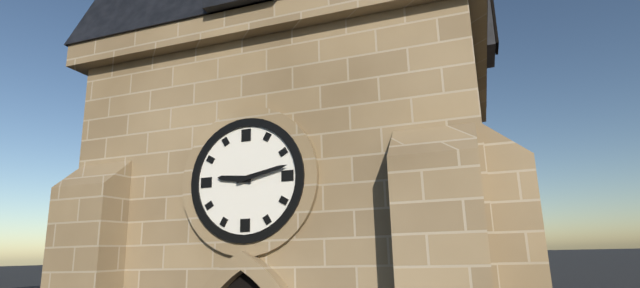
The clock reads 9.13
